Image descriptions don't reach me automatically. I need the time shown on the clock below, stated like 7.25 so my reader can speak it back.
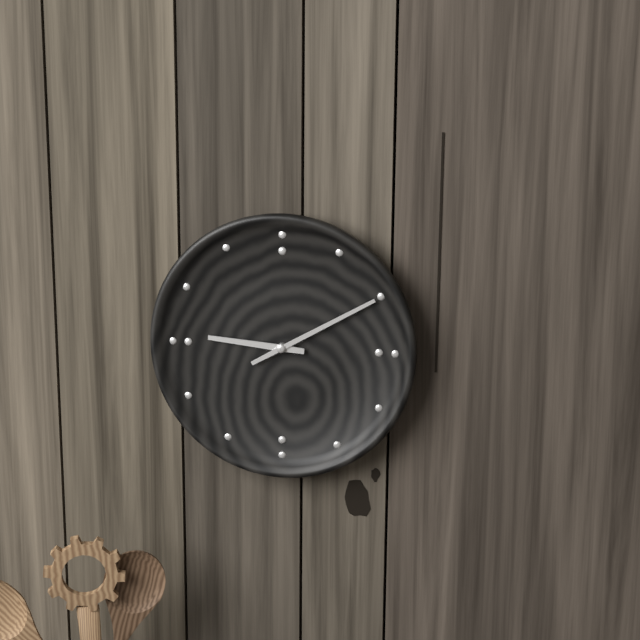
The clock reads 9.10
